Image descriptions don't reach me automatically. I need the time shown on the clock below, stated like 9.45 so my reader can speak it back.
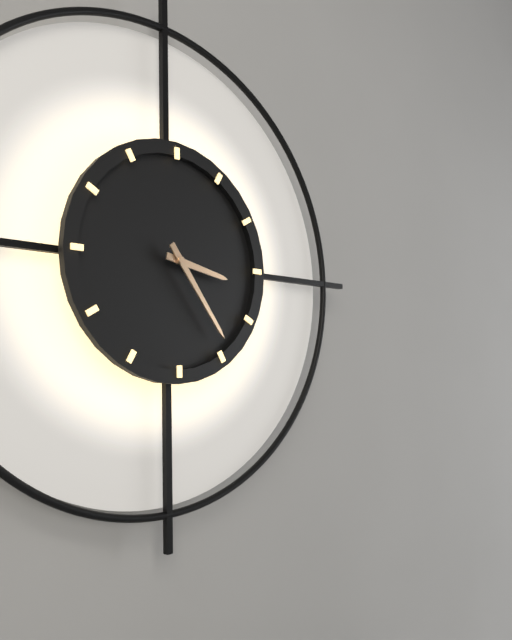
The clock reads 3.24
